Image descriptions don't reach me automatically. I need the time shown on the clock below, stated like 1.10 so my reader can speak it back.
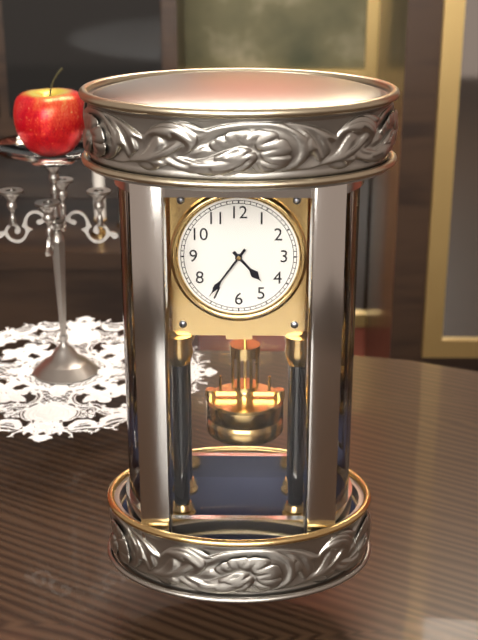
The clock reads 4.36
